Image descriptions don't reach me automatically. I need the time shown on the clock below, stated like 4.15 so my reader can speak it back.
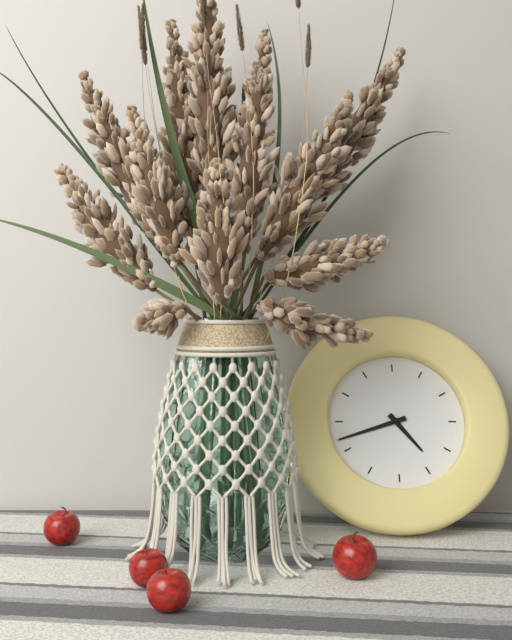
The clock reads 4.42
